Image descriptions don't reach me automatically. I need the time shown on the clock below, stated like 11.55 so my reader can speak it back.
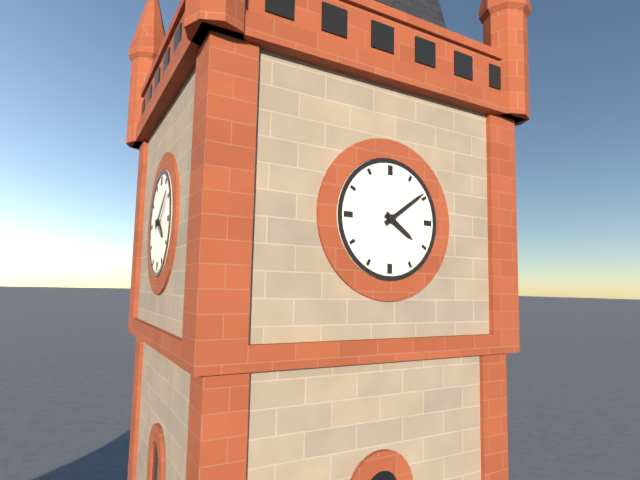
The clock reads 4.09
